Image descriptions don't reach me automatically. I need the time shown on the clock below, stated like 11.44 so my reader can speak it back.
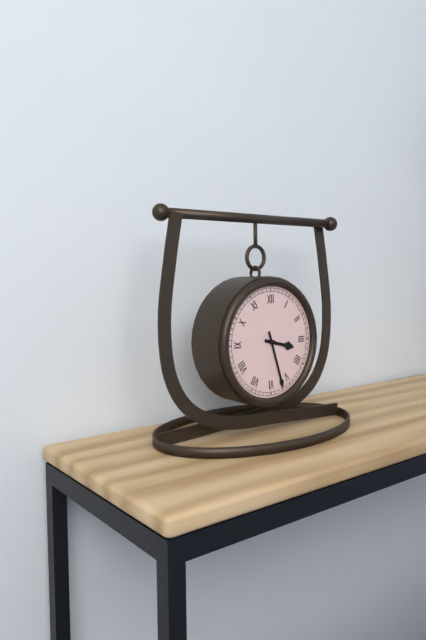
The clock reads 3.27
